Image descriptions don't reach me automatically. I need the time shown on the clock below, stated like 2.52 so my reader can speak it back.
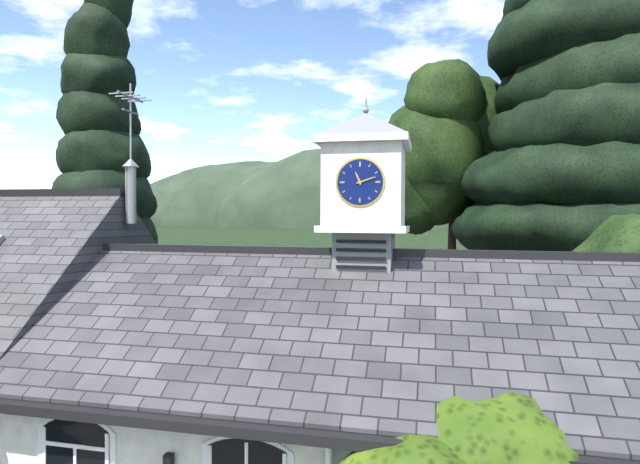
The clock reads 11.12
